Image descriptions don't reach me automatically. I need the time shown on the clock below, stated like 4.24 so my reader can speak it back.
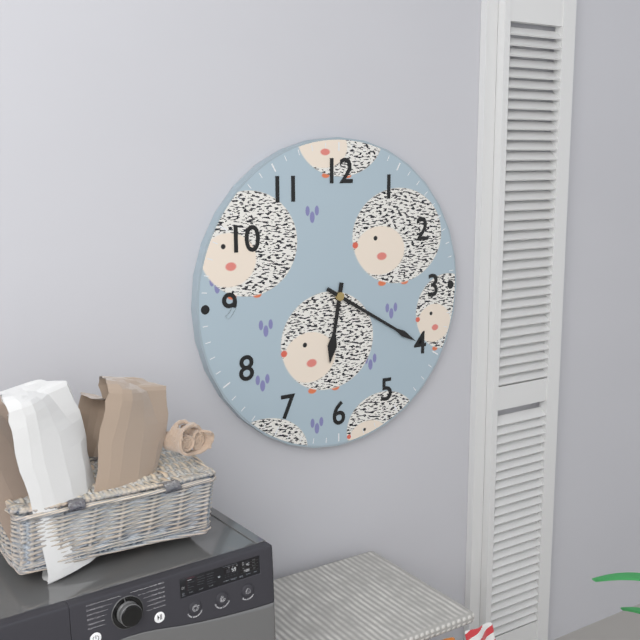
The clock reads 6.20
